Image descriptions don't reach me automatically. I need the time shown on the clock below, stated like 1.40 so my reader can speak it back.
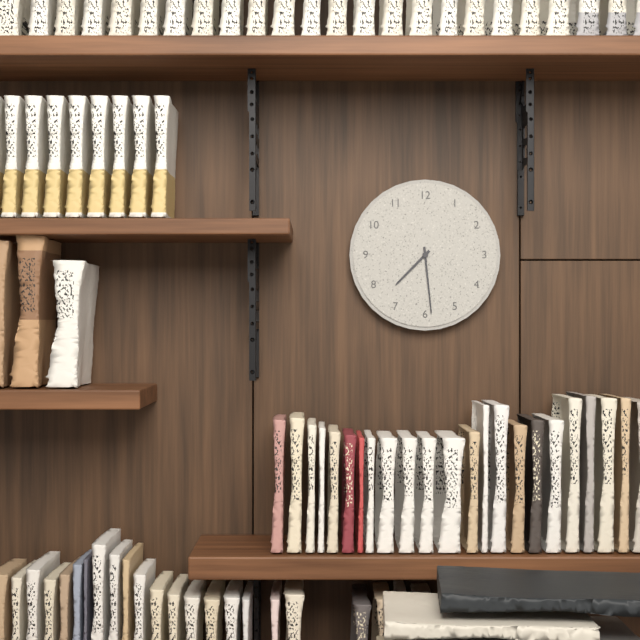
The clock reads 7.29
